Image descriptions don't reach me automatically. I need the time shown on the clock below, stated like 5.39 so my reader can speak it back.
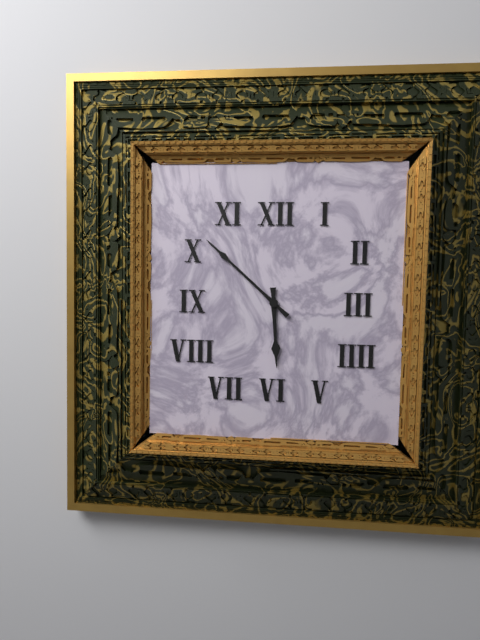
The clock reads 5.52
